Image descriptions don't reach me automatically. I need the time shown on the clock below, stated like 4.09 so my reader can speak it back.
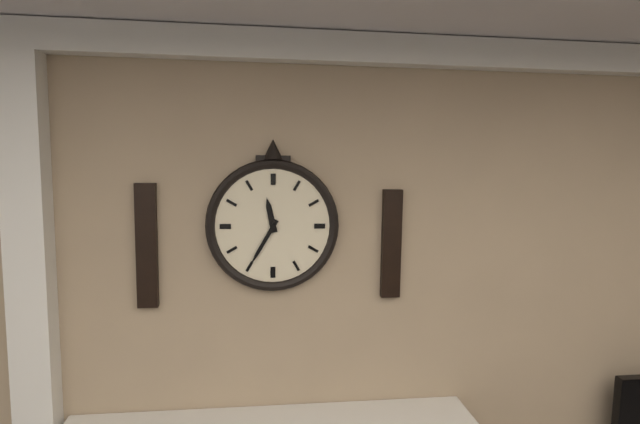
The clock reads 11.35
